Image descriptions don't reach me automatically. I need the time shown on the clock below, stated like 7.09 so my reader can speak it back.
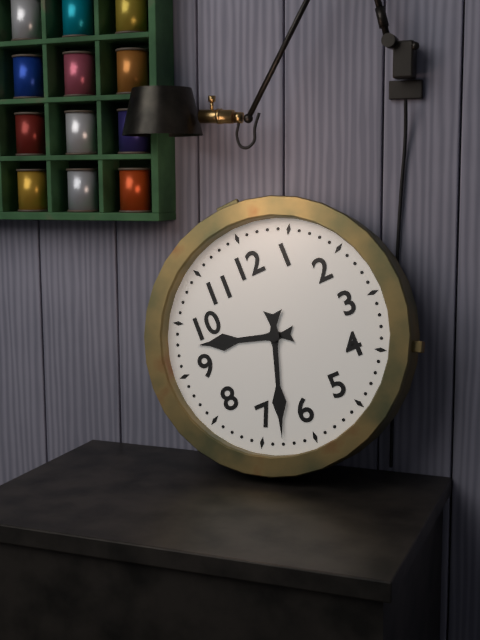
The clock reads 9.33
